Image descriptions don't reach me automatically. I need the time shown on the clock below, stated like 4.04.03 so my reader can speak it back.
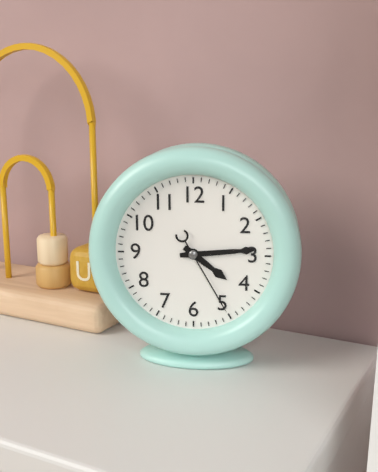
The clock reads 4.14.25
